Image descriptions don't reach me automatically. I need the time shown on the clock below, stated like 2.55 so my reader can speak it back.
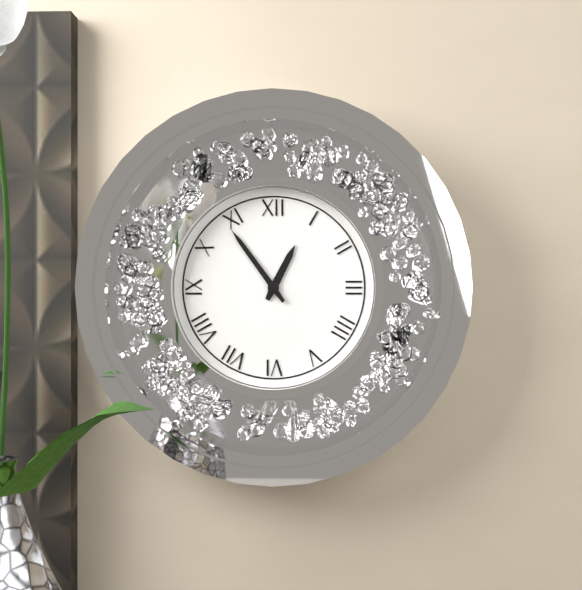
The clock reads 12.54
